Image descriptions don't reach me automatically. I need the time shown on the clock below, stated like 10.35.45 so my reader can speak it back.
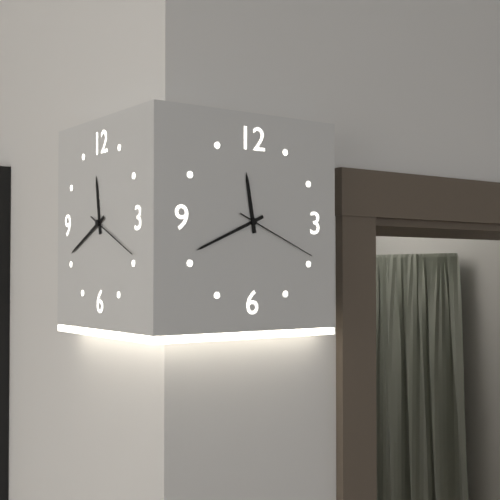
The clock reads 11.41.19
